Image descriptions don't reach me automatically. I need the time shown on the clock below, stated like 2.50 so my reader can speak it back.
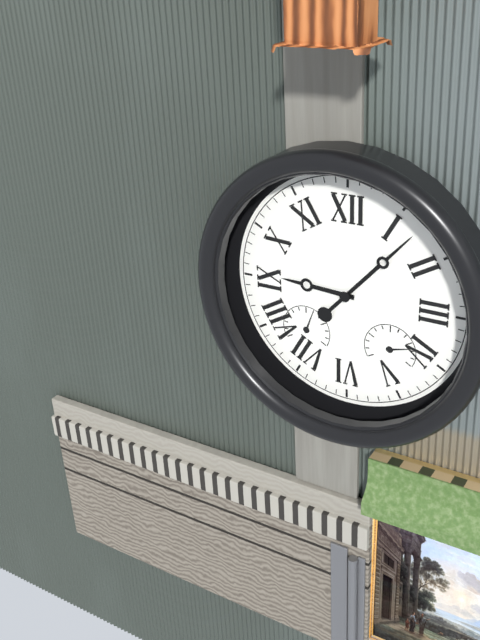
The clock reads 9.07
